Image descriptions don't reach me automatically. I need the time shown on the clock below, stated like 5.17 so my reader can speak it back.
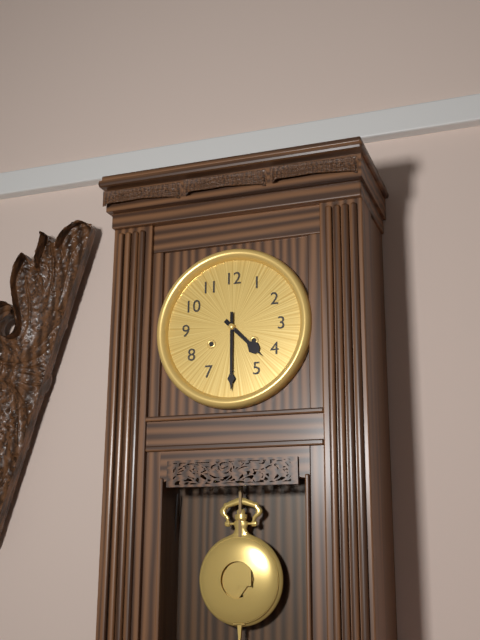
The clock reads 4.30
